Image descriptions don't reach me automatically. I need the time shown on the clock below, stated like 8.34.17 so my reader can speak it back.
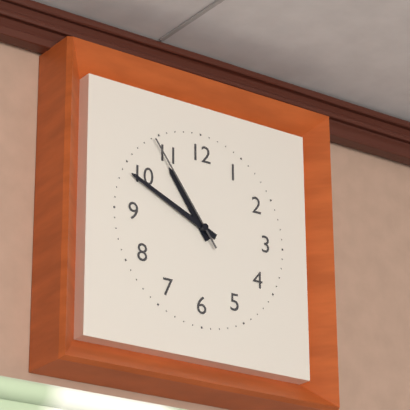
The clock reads 10.49.54
